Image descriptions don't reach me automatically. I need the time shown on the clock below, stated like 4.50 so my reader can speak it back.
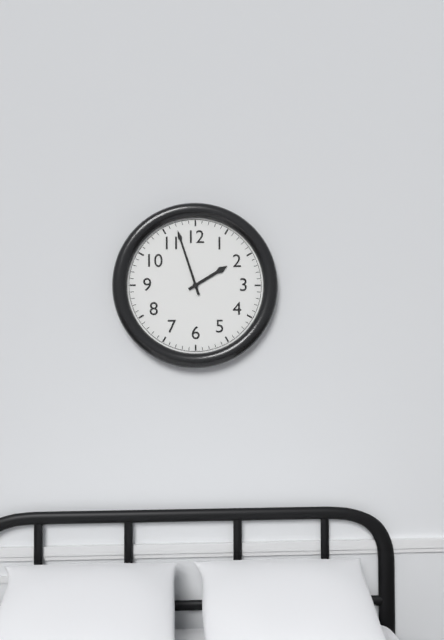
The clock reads 1.57
